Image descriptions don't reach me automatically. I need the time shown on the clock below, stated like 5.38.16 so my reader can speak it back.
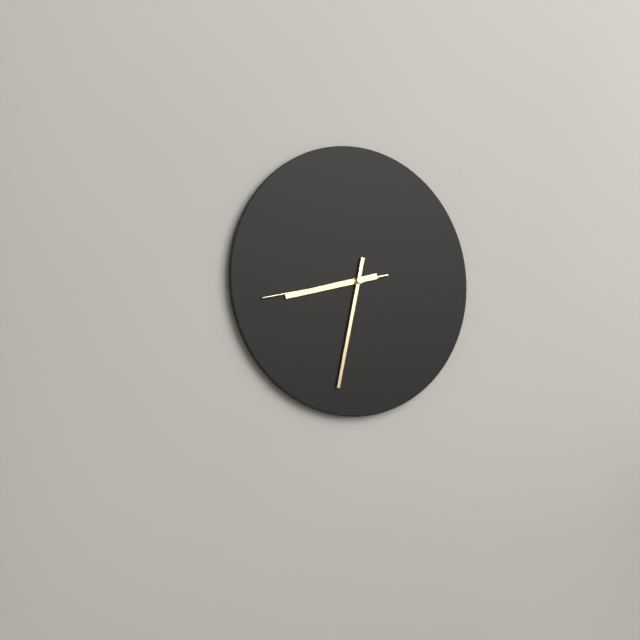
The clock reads 8.32.43
